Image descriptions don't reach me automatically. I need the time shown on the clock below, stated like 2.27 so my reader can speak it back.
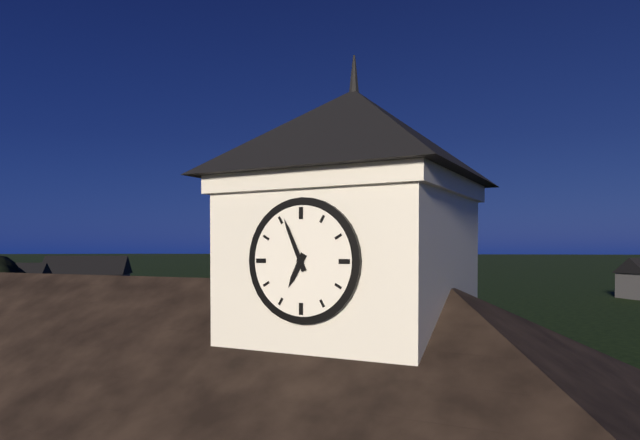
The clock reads 6.56
